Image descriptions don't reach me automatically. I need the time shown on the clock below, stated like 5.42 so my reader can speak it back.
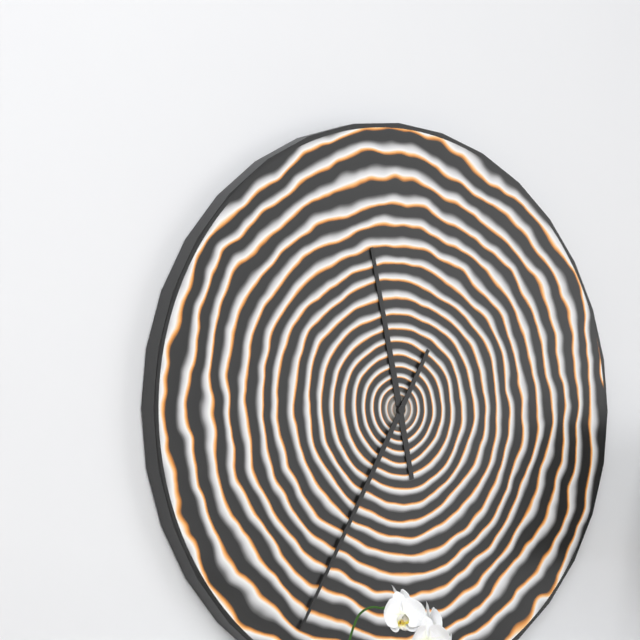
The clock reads 11.35
